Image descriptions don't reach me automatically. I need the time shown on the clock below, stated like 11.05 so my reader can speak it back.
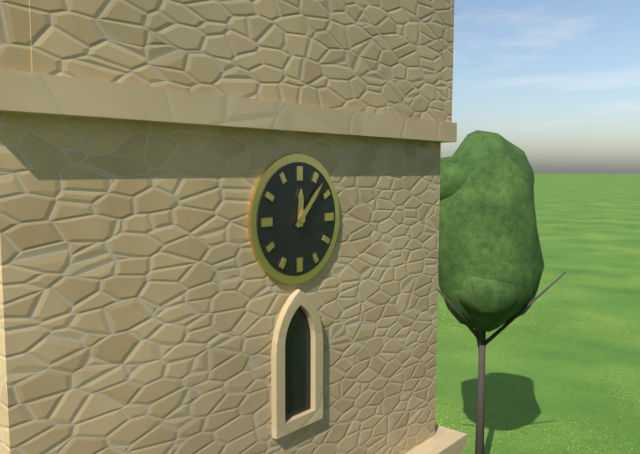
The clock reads 12.07
